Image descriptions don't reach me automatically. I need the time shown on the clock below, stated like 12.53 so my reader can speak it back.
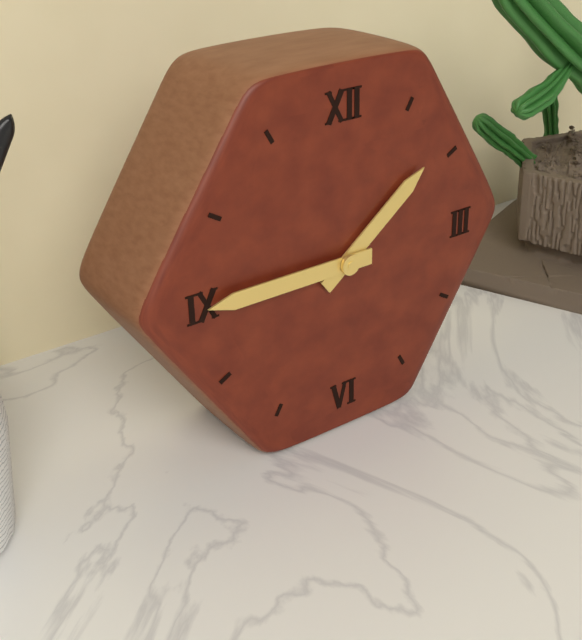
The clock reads 1.45
